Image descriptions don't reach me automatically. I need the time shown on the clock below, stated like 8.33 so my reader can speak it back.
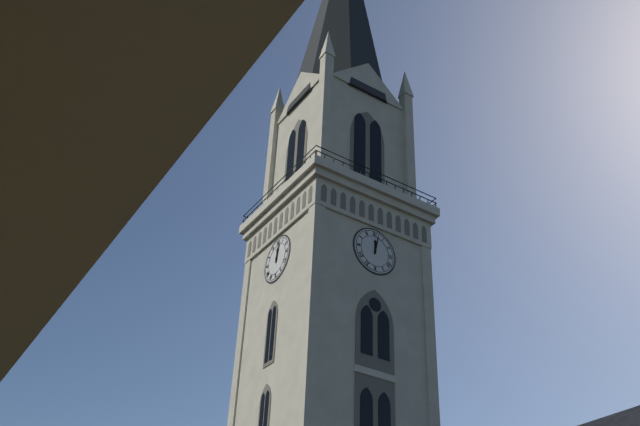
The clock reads 12.02
